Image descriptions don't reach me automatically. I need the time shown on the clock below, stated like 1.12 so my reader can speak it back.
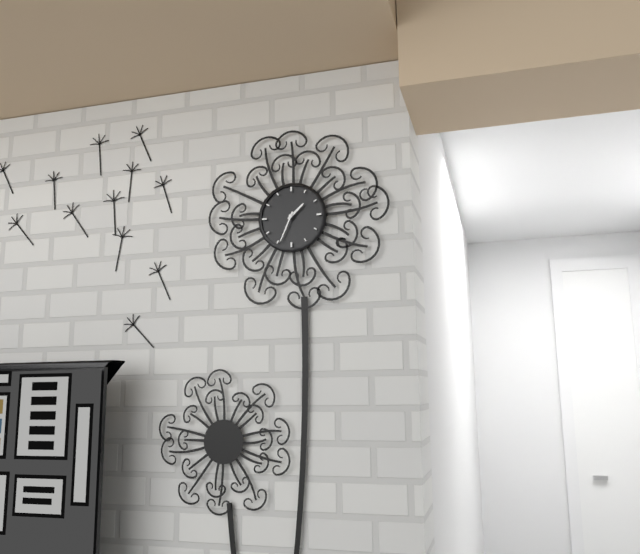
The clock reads 1.34
